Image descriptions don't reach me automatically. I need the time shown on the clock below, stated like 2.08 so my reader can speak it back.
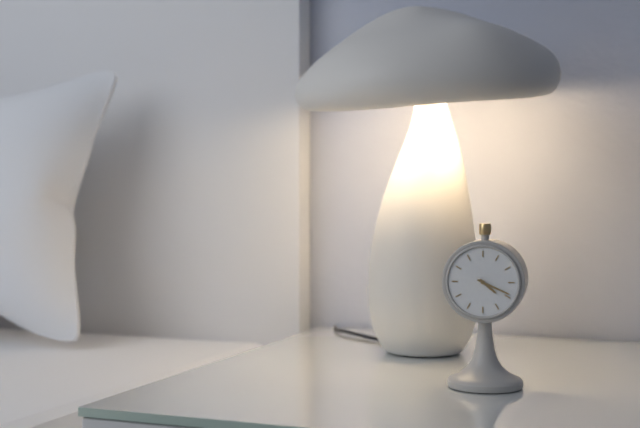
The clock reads 4.19
